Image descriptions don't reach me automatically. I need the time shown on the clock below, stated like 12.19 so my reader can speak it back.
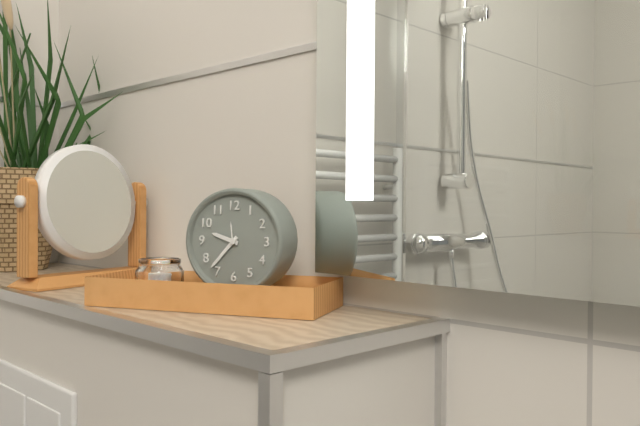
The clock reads 9.37
